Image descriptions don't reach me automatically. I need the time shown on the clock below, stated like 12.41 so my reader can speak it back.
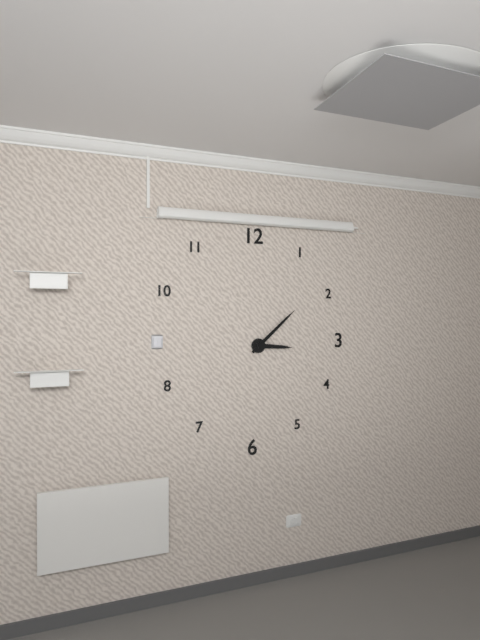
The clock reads 3.08
